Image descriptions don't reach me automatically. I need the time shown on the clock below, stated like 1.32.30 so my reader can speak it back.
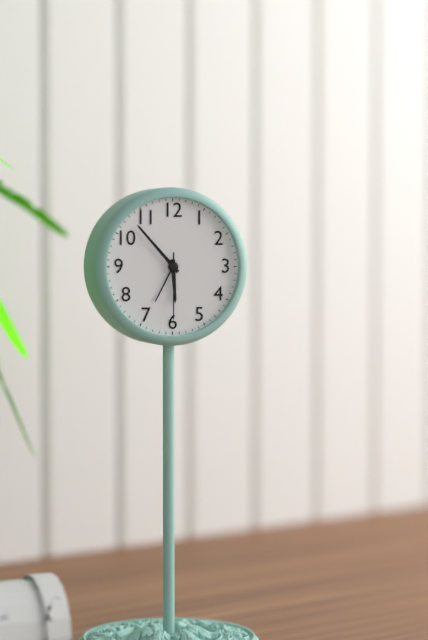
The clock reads 5.53.30
